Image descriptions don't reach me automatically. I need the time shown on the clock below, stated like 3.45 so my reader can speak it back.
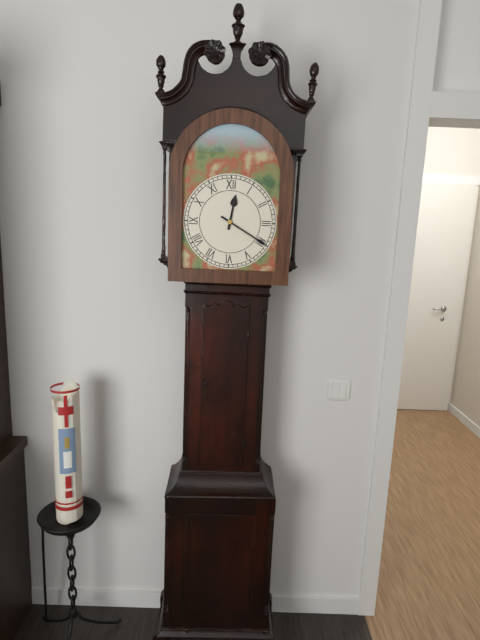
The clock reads 12.20
